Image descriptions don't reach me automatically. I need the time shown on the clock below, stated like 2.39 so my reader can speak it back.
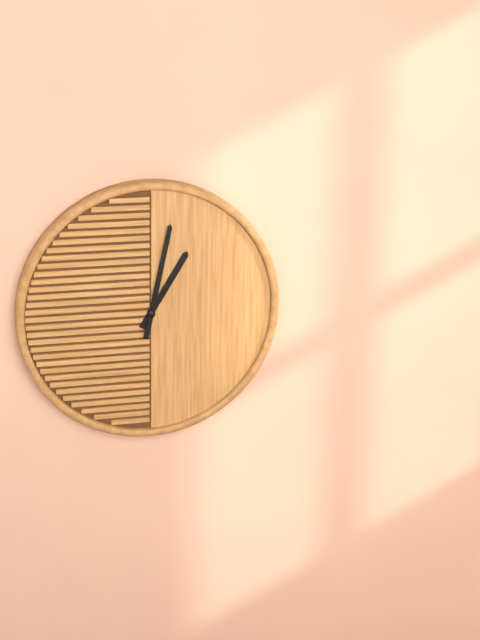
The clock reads 1.02
